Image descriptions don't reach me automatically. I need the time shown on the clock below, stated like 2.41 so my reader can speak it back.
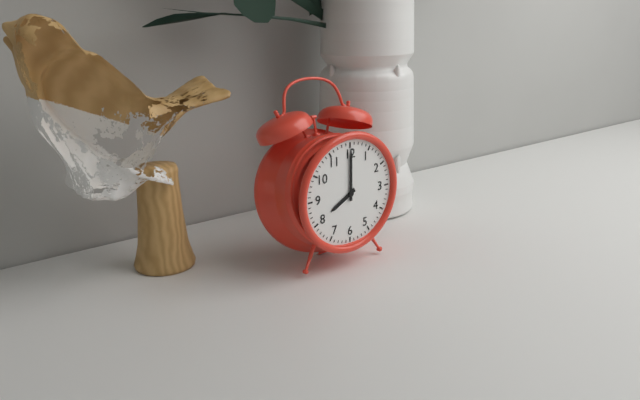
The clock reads 8.00
